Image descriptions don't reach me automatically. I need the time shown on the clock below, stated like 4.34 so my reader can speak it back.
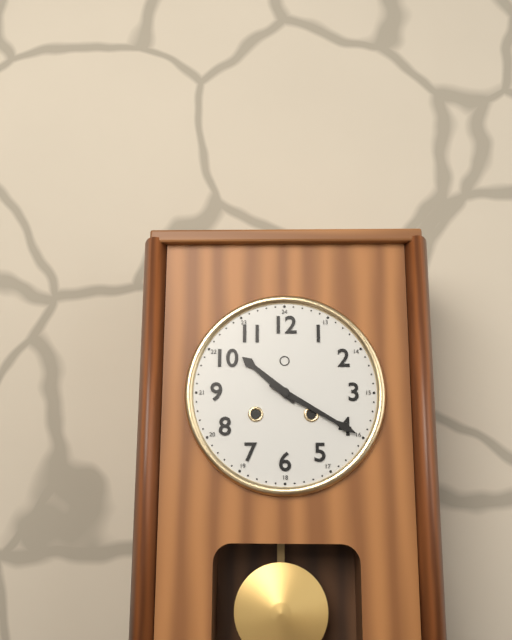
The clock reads 10.20
